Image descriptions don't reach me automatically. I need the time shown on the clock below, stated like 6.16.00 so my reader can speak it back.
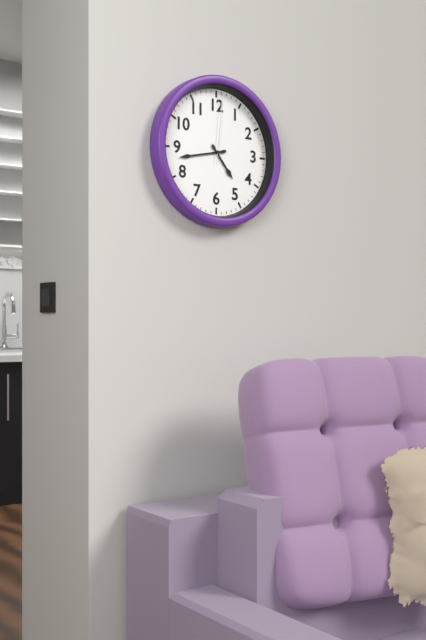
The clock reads 4.43.01
